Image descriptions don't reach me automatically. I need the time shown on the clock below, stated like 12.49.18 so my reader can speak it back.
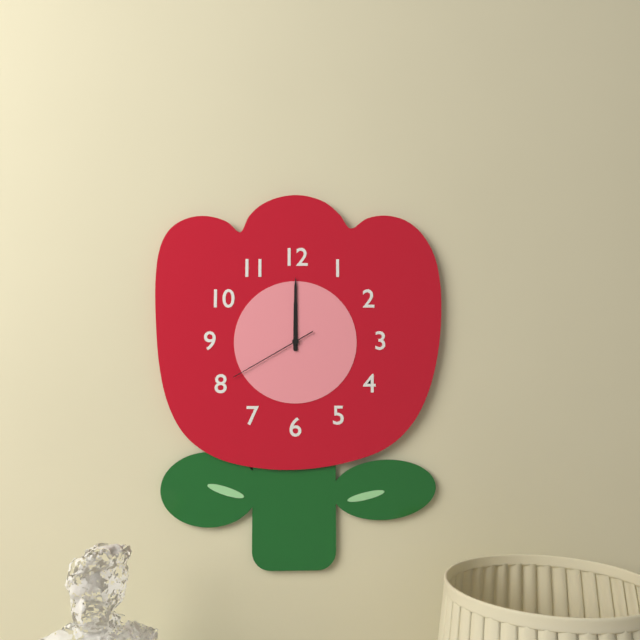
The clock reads 12.00.40
